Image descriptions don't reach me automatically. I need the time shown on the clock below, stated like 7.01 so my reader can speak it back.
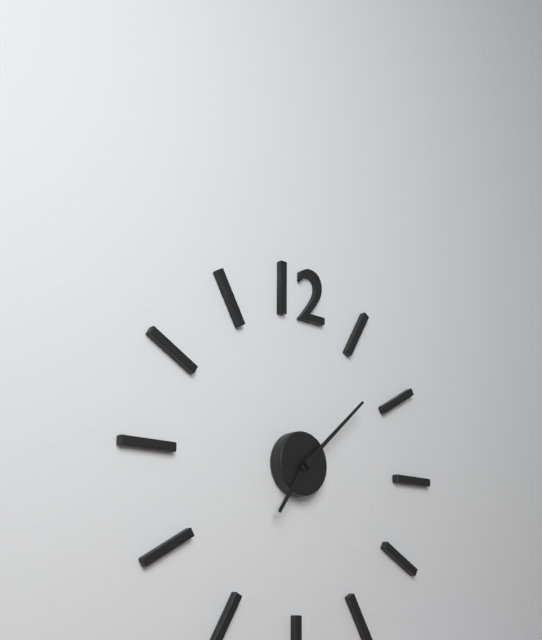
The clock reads 7.08
